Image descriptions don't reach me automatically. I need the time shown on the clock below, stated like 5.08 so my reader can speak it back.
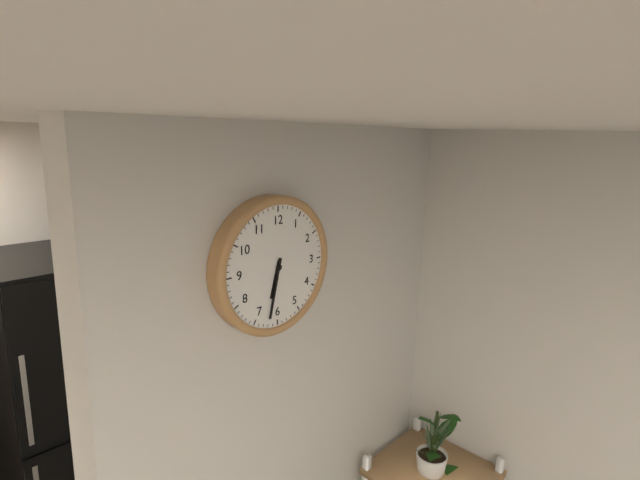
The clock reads 6.32
